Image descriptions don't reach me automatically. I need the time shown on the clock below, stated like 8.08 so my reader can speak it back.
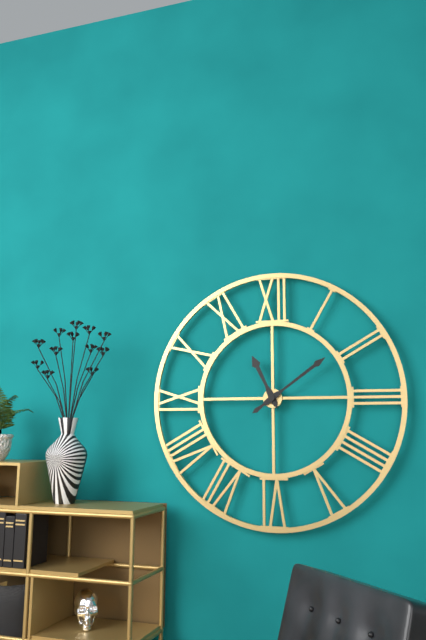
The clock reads 11.09
